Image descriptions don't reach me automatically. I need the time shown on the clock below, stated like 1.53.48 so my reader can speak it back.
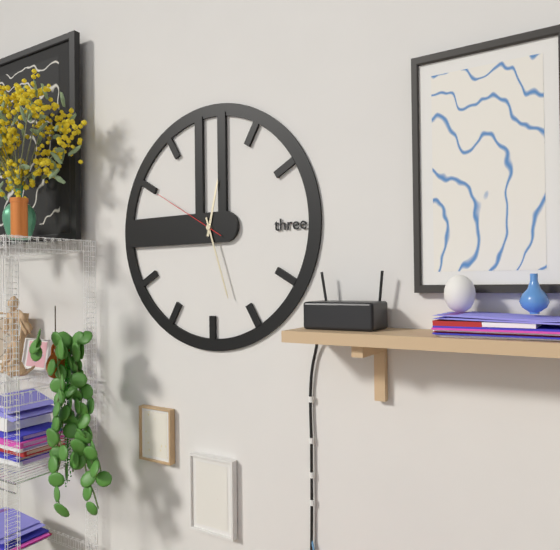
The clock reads 12.27.50
